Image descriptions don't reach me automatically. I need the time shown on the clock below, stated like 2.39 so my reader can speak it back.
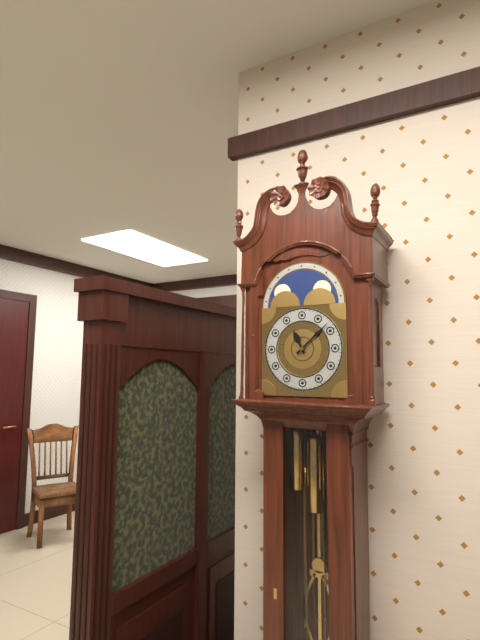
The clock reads 11.08
